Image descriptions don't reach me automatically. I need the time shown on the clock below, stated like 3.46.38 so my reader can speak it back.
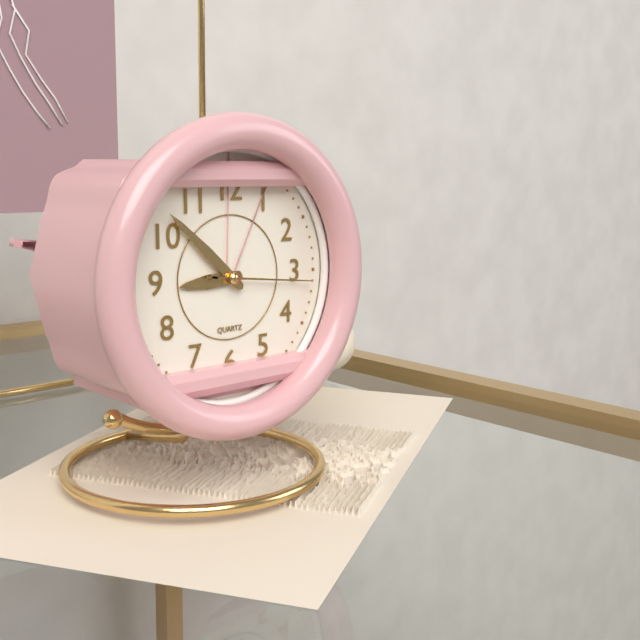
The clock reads 8.52.16
